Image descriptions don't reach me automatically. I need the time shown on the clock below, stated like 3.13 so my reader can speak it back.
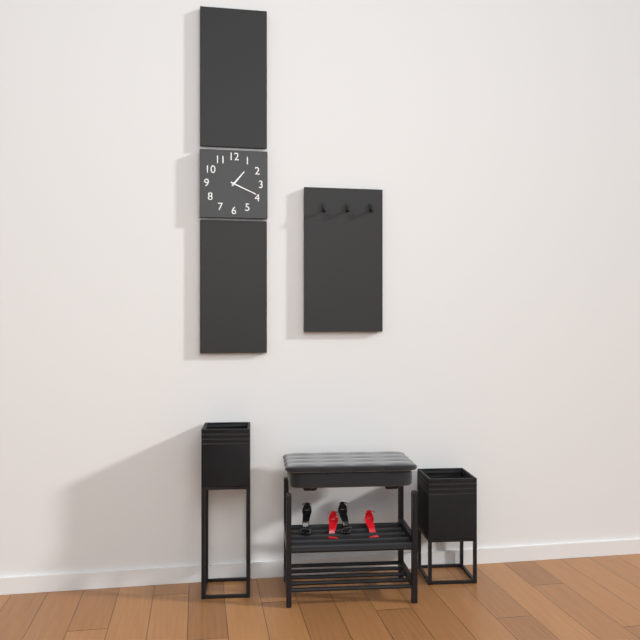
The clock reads 1.19
